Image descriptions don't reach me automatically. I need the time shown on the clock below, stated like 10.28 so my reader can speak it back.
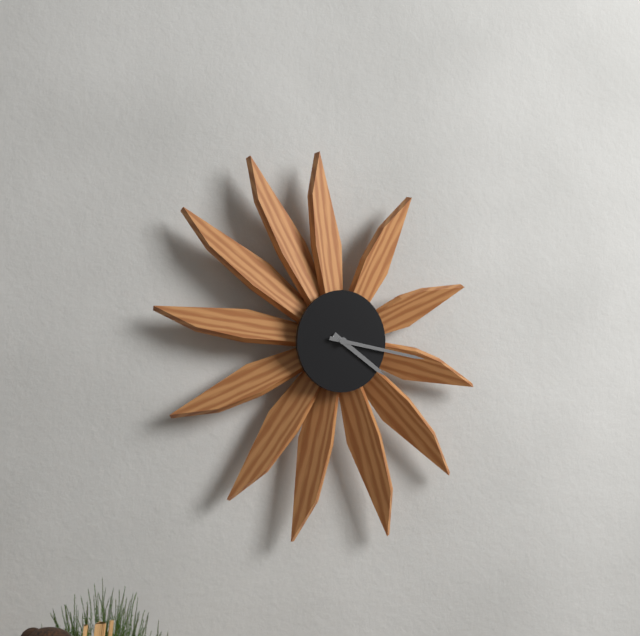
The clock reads 4.17
